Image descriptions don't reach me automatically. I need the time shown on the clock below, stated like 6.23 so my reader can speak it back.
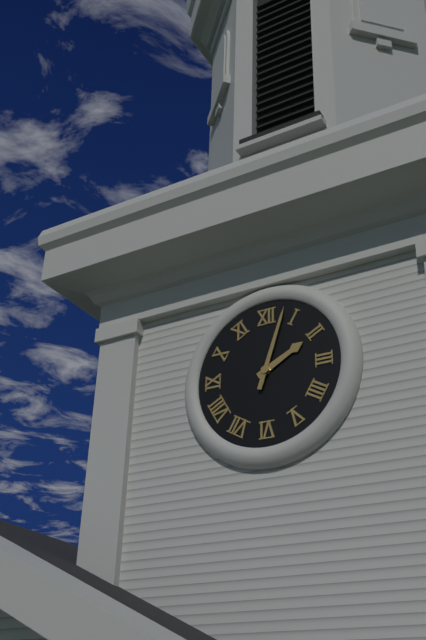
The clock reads 2.03
